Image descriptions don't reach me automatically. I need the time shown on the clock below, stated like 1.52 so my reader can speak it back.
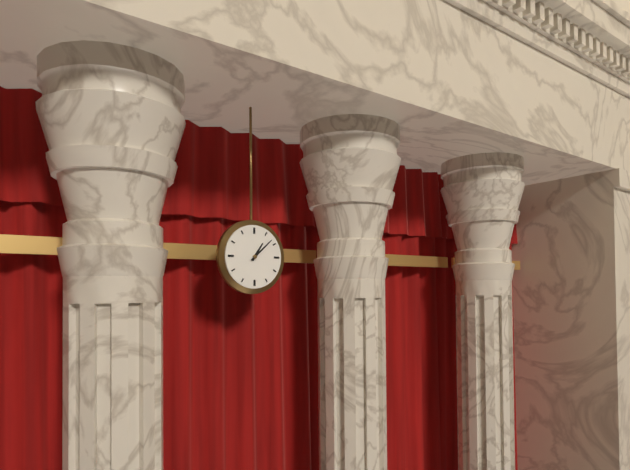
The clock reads 1.08
